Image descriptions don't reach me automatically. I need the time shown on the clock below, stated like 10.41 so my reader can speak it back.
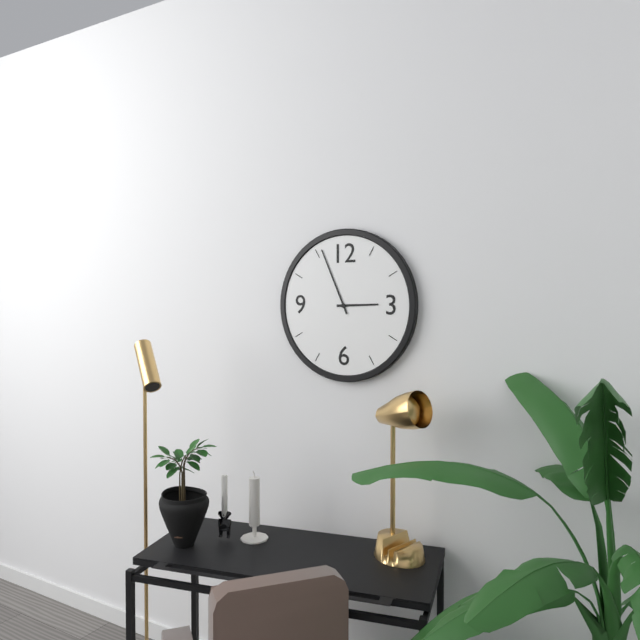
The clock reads 2.56
